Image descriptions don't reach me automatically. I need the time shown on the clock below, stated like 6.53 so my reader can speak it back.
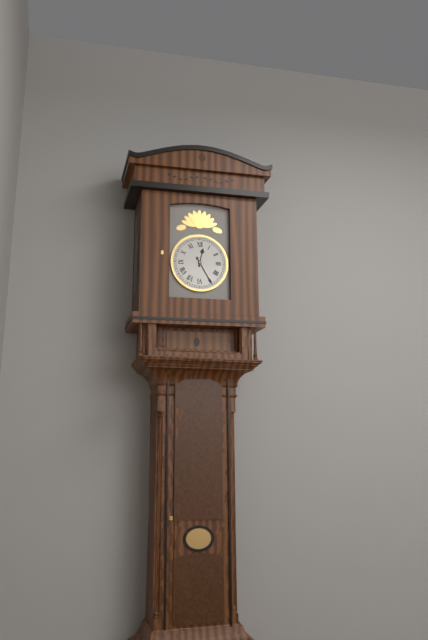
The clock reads 12.25
